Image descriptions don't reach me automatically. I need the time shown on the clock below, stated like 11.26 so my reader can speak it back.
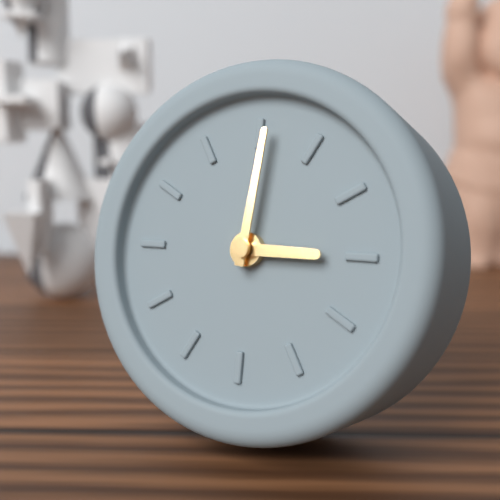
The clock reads 3.01
